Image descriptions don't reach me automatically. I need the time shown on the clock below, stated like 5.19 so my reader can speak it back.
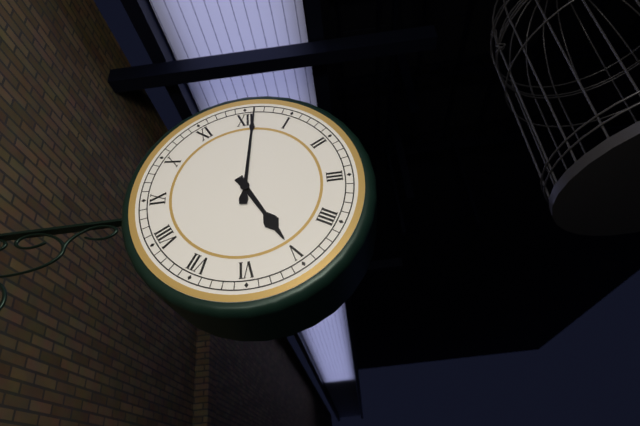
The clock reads 5.01
